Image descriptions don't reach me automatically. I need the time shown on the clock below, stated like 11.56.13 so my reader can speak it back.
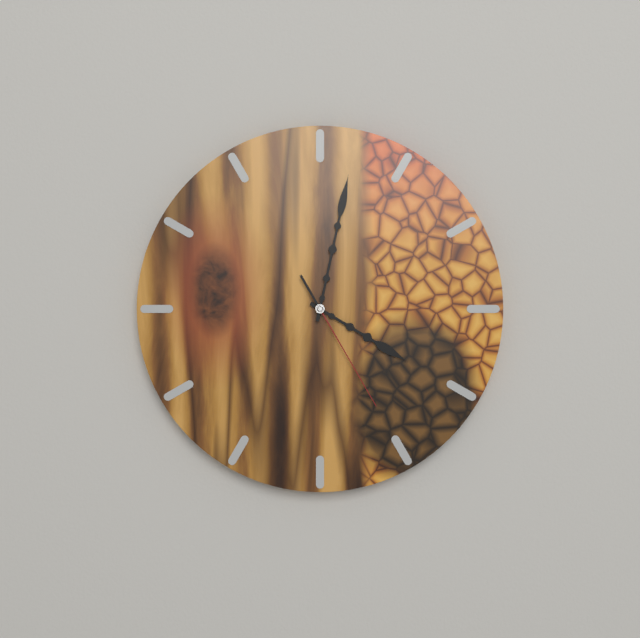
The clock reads 4.02.25
